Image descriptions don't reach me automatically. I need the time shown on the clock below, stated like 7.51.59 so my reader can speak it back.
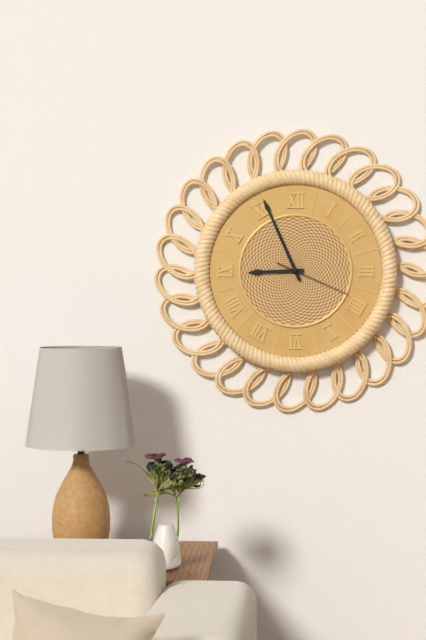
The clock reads 8.56.19
